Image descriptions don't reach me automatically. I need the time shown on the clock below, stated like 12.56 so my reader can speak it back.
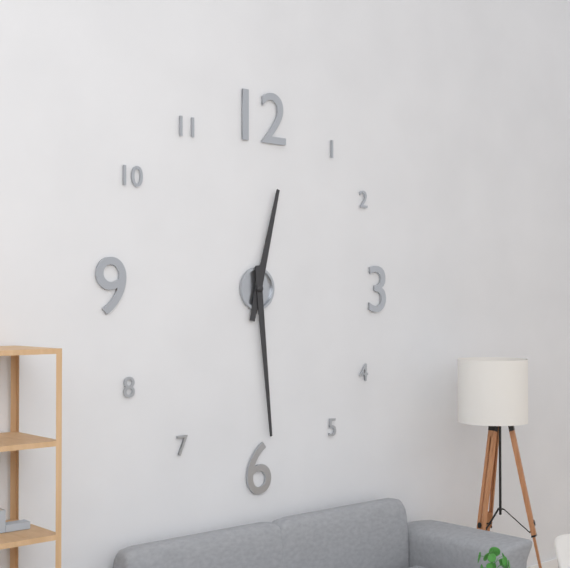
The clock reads 12.29
